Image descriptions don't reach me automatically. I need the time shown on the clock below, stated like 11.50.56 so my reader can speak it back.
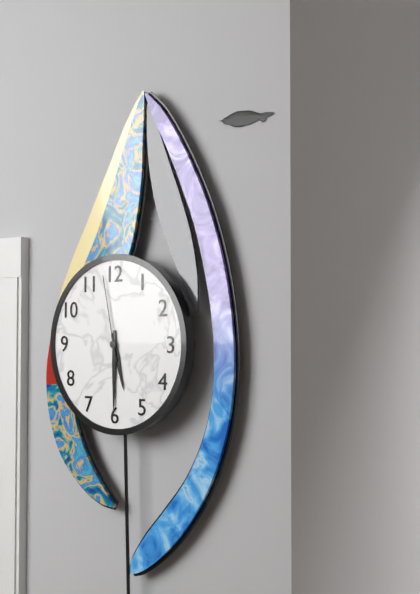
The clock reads 5.30.58
